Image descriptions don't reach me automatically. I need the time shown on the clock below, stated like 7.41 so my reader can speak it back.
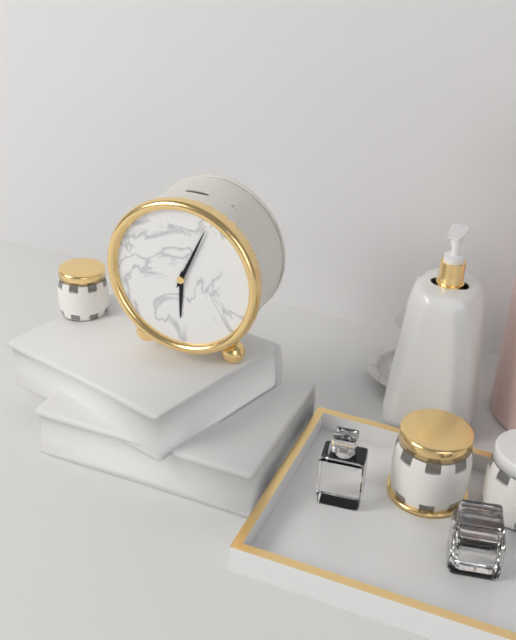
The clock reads 6.04
